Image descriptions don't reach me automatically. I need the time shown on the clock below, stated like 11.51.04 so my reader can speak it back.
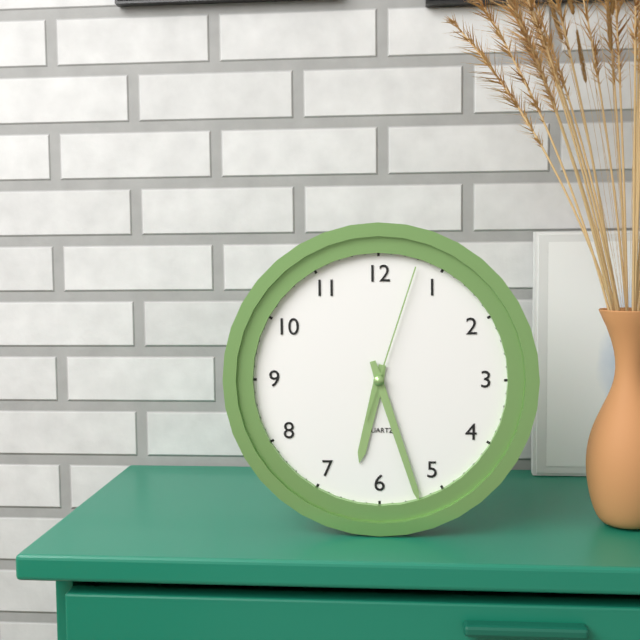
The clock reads 6.27.03
